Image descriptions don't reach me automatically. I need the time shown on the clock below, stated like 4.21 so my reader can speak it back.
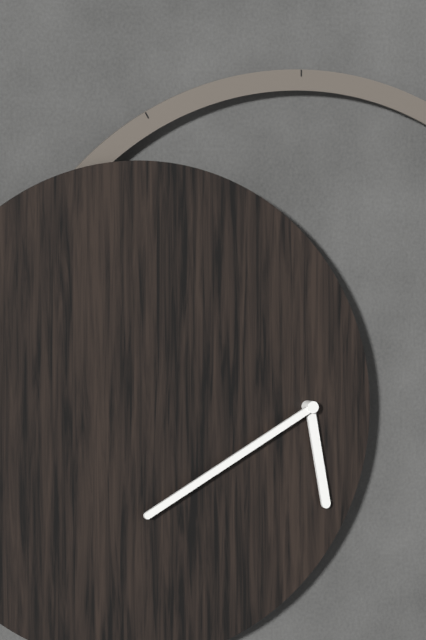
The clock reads 5.40
